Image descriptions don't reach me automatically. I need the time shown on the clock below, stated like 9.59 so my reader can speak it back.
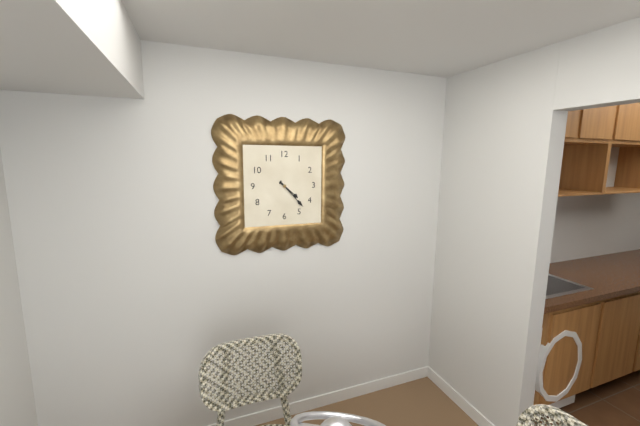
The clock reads 4.23
